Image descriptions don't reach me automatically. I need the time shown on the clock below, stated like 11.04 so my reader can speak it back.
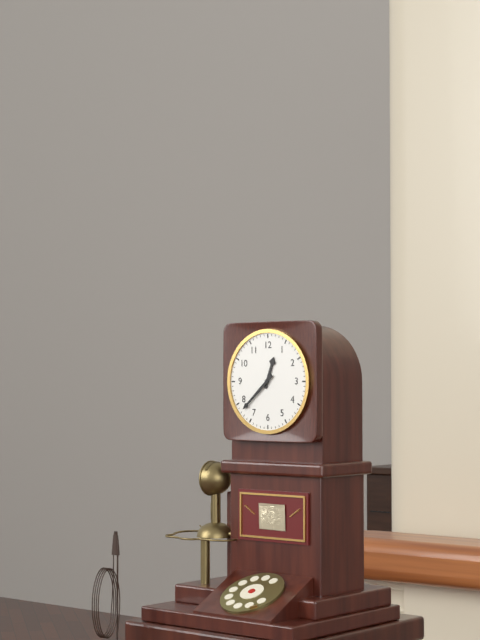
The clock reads 12.38
